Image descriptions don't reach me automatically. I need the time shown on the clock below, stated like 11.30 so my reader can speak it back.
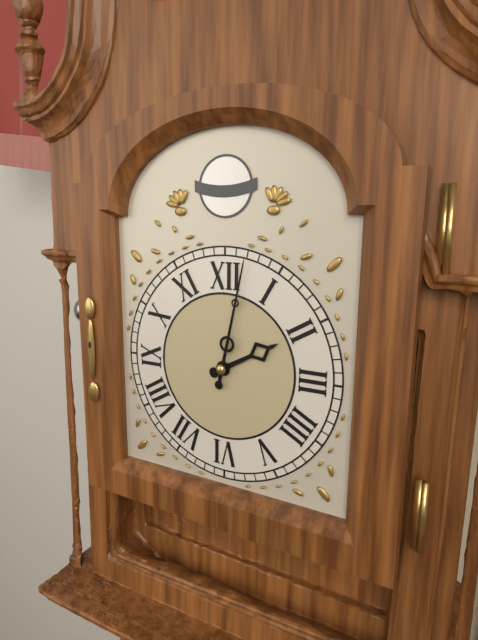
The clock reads 2.02
